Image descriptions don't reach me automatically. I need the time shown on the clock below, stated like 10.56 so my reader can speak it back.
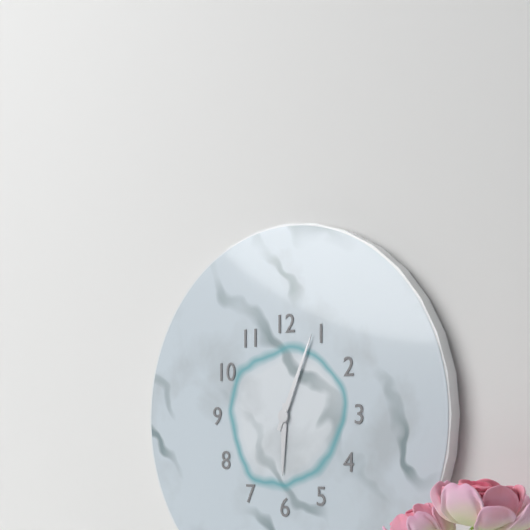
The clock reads 6.04
